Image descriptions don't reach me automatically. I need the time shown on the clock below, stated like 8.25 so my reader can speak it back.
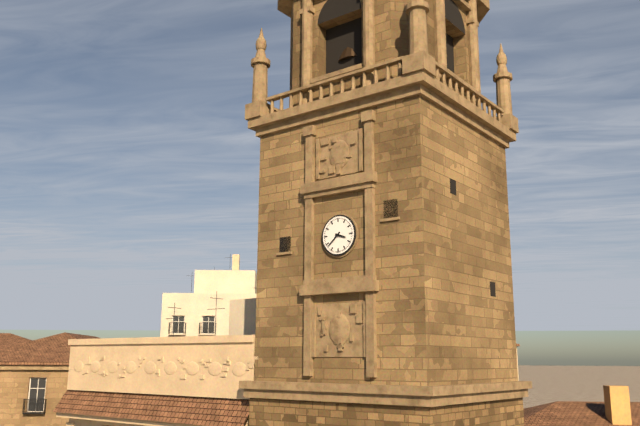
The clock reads 3.38
